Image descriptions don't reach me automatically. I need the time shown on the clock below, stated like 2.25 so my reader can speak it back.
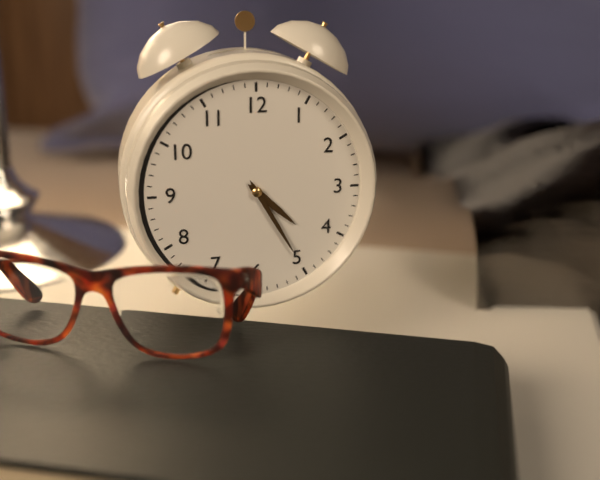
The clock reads 4.25
